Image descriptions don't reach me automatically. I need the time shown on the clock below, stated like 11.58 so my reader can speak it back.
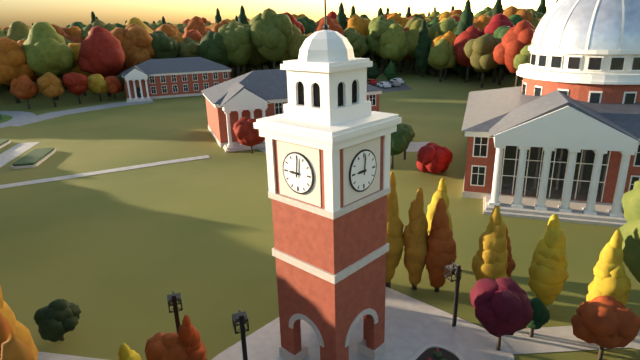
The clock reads 9.01
